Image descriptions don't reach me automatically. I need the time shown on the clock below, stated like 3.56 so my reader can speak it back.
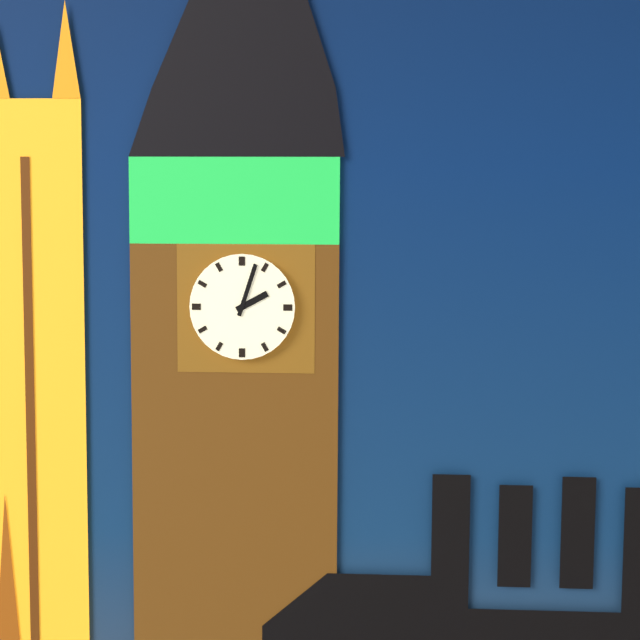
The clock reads 2.03
